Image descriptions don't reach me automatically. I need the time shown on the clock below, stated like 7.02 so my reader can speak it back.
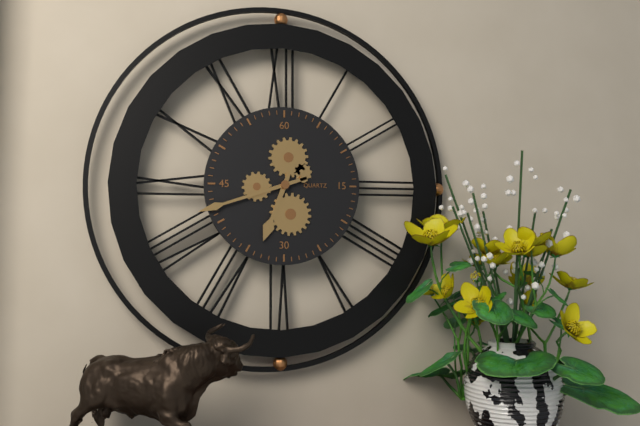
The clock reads 6.42
